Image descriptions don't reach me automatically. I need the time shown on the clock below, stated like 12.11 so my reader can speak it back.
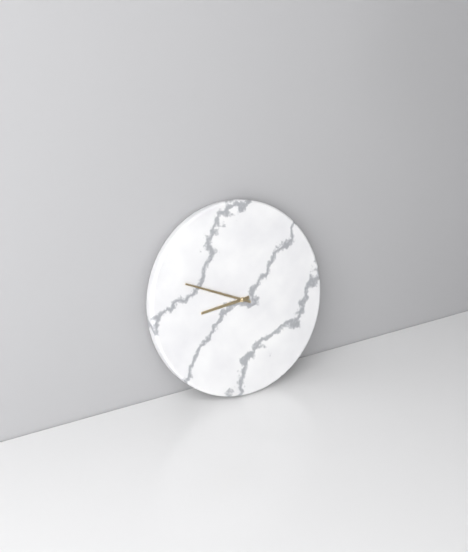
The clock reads 8.49
